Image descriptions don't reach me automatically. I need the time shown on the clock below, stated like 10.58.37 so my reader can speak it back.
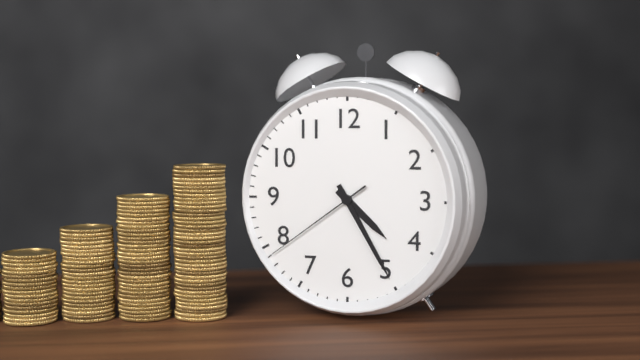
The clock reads 4.25.39
